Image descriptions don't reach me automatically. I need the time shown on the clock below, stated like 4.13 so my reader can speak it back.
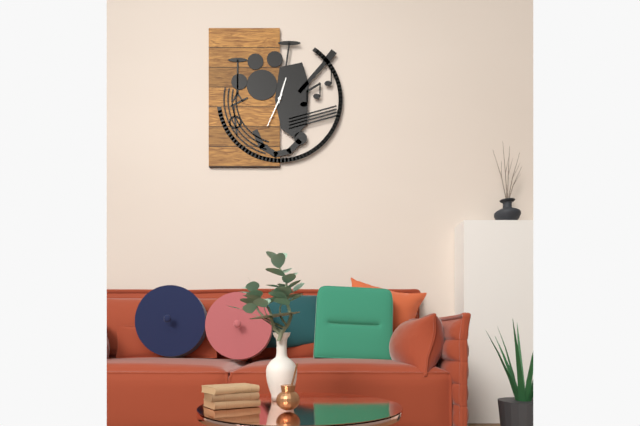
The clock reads 12.34
